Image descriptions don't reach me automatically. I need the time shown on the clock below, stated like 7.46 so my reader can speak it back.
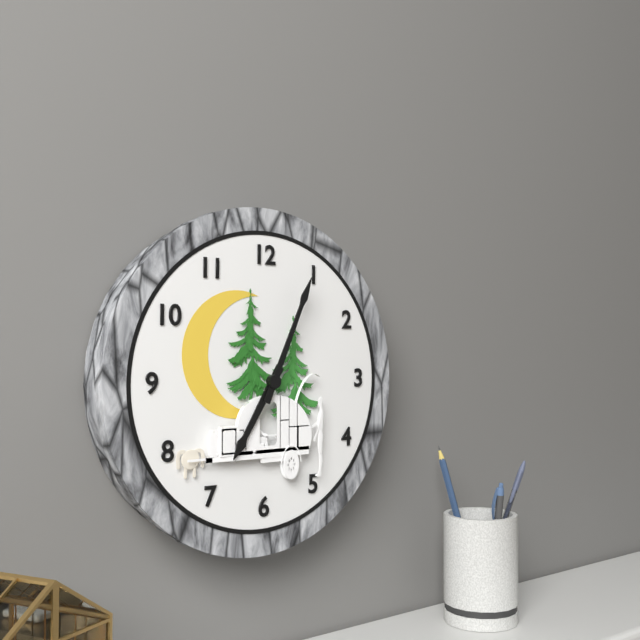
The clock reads 7.04
